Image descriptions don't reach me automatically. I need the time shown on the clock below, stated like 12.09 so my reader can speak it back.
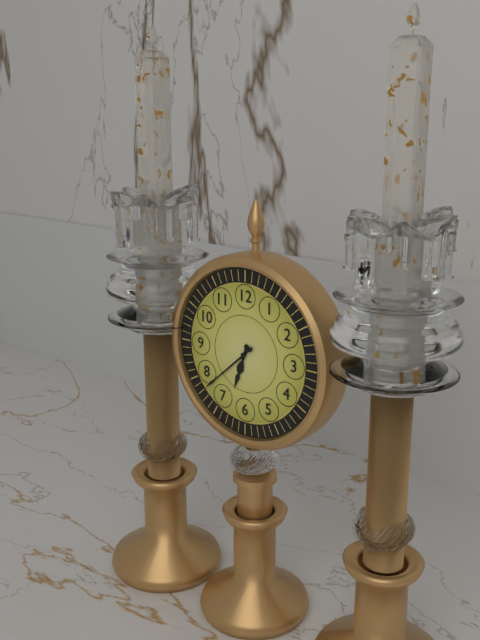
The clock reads 6.38
